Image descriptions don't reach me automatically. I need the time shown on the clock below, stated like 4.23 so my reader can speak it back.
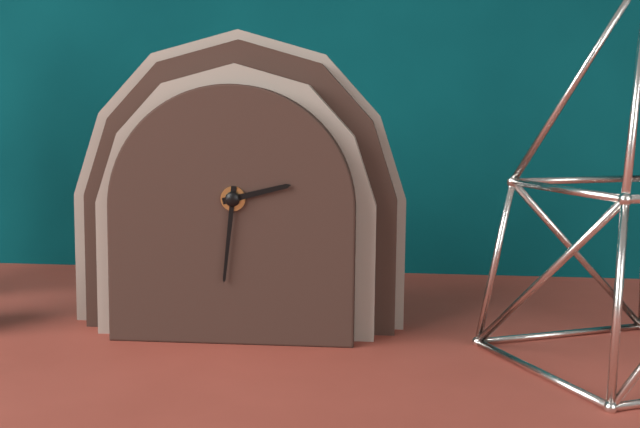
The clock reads 2.31
